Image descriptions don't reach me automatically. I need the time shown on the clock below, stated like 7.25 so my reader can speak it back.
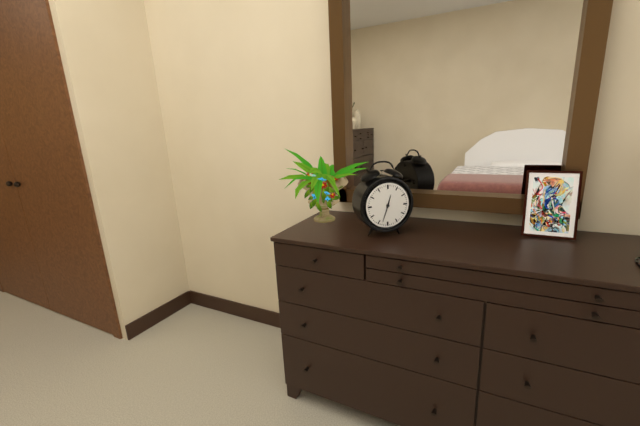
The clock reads 12.33
